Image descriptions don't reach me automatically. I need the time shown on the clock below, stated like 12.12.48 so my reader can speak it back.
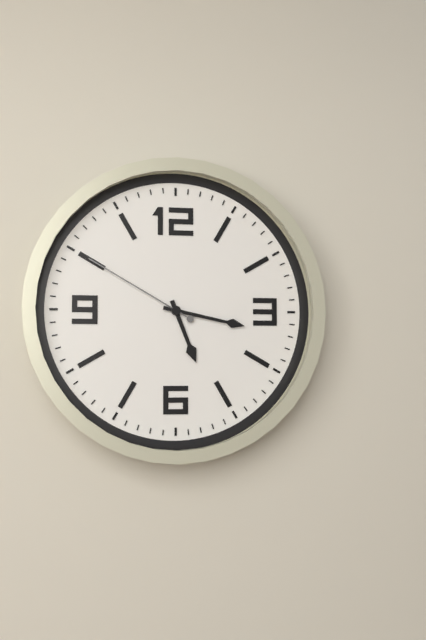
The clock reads 5.17.50
